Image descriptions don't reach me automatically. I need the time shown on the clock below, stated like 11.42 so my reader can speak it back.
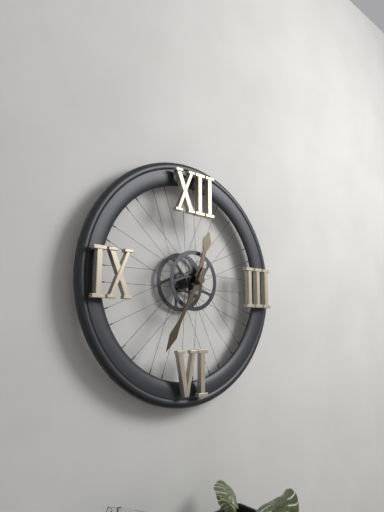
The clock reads 12.35
